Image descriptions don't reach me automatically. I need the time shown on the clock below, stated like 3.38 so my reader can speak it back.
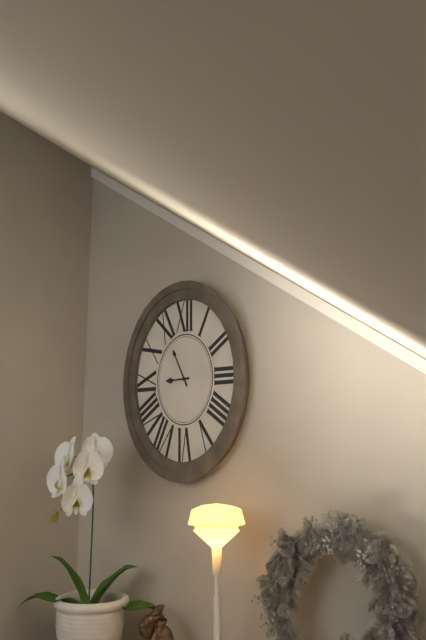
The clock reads 8.56
